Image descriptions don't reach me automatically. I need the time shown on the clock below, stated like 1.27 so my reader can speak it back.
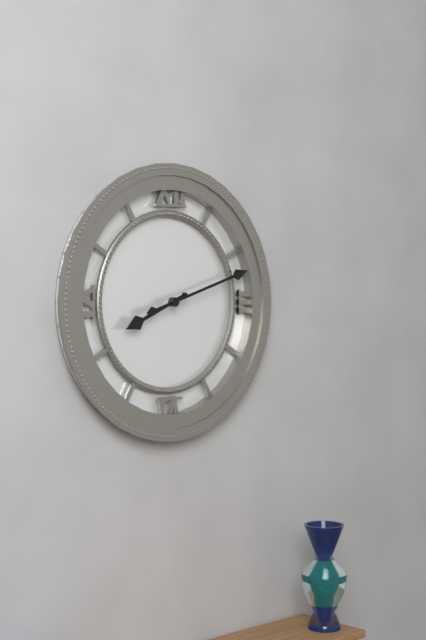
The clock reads 8.12
